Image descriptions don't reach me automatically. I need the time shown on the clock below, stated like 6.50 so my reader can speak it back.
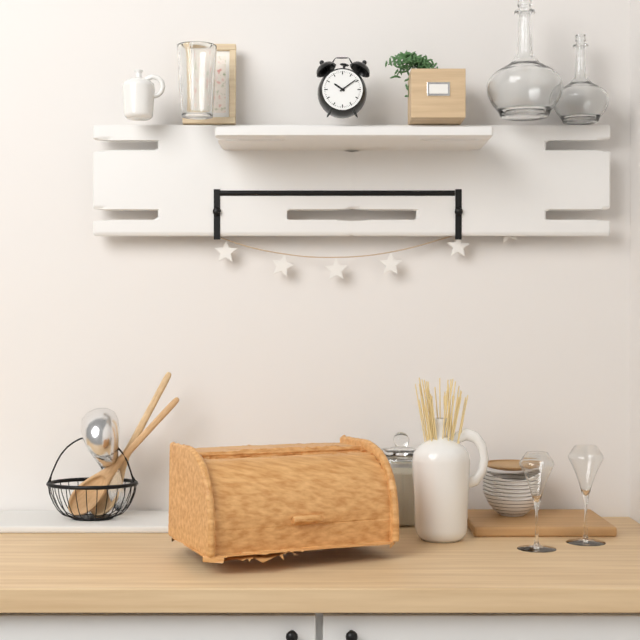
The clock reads 10.09
